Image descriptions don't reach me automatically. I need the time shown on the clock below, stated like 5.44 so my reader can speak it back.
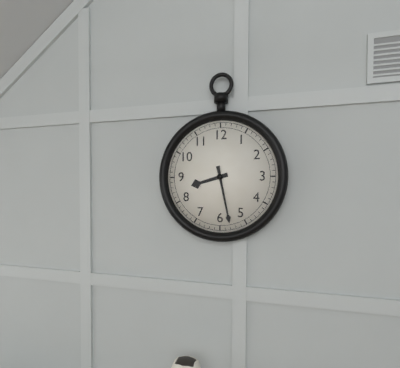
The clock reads 8.28
